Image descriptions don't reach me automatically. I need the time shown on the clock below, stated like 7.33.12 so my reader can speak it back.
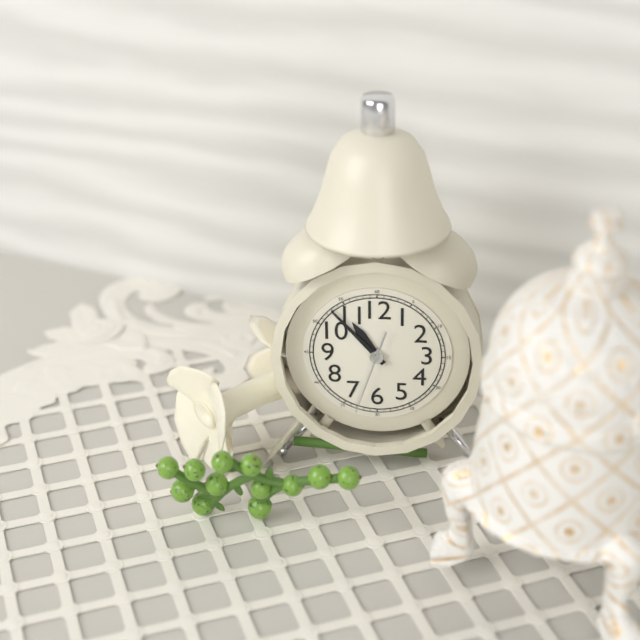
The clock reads 10.53.33
